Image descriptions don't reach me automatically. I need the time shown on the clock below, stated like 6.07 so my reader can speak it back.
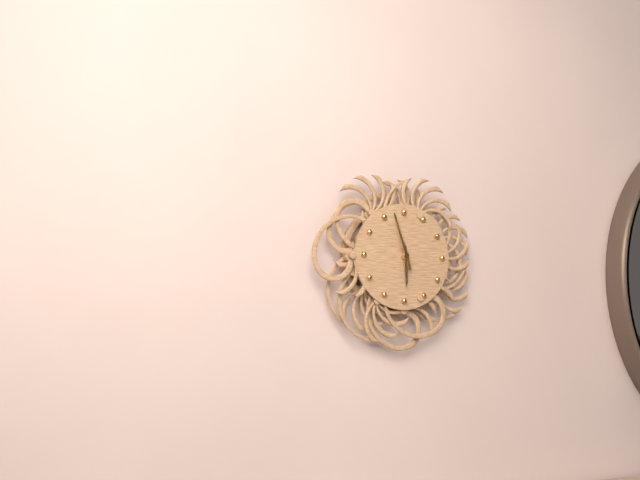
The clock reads 5.57
